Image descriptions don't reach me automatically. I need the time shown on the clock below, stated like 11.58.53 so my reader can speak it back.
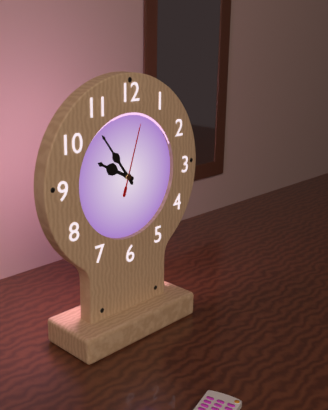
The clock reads 9.54.03
